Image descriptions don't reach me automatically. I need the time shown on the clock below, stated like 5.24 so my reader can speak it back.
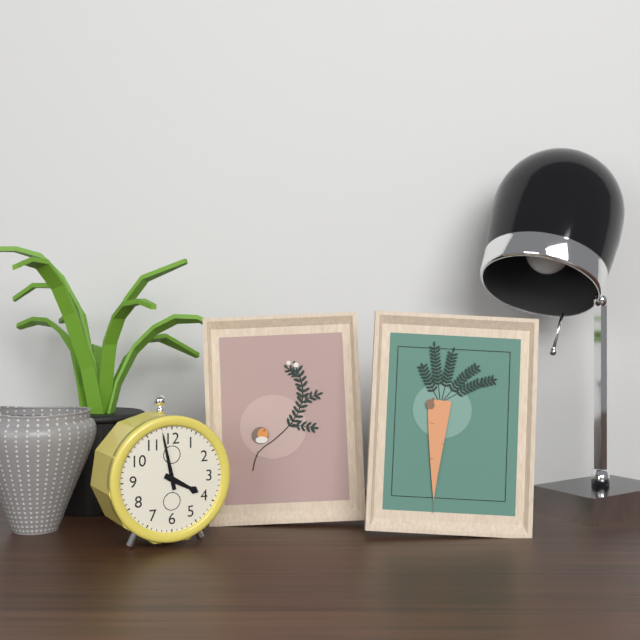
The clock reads 3.58
